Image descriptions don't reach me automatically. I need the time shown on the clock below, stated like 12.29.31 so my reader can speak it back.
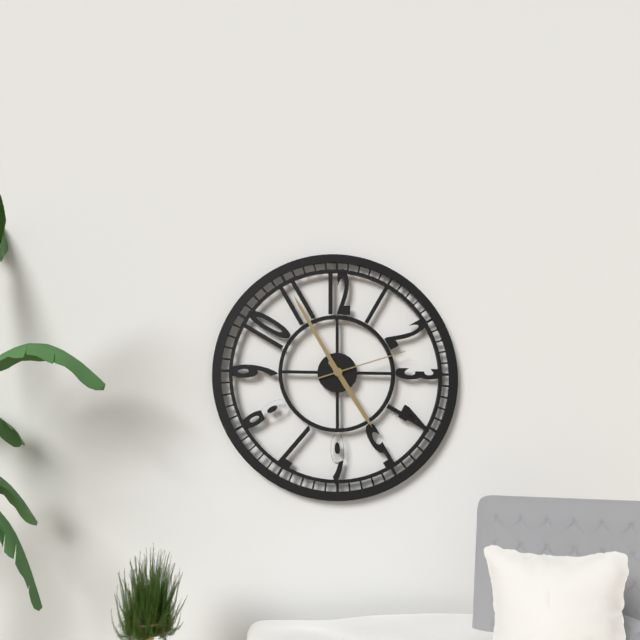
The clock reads 4.55.12
